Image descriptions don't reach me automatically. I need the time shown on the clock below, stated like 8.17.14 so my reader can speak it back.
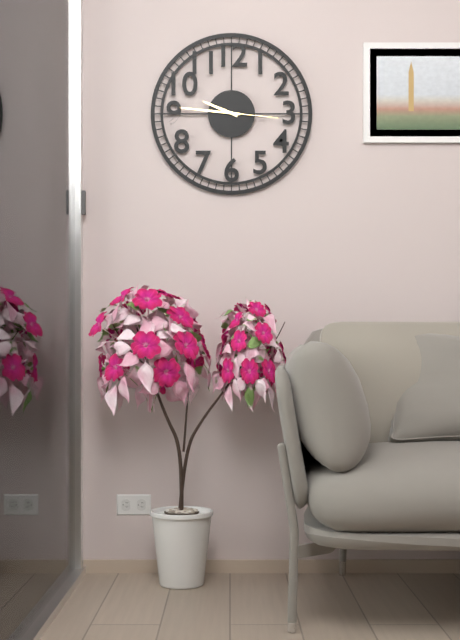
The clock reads 9.46.16
